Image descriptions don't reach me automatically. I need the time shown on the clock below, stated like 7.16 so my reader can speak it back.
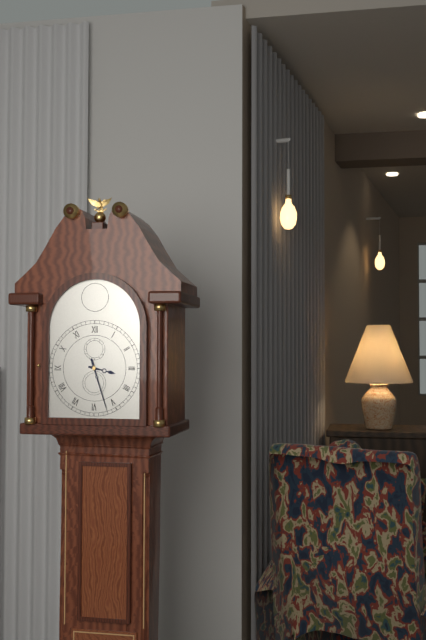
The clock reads 3.27
